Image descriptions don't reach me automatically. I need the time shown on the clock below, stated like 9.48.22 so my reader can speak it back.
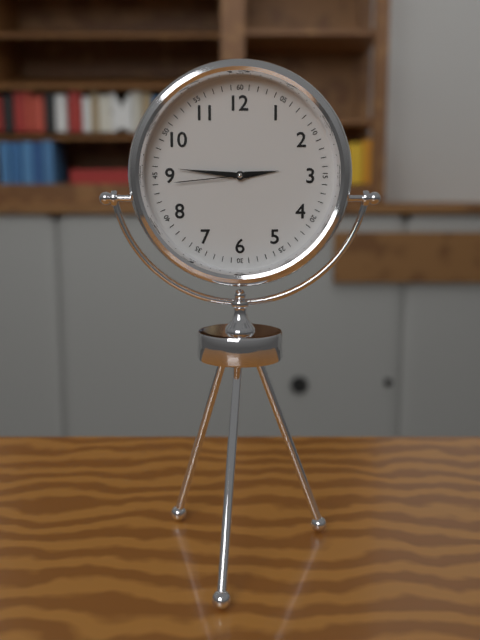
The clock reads 2.46.44
